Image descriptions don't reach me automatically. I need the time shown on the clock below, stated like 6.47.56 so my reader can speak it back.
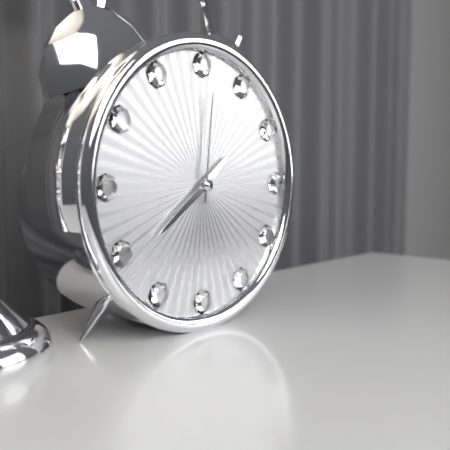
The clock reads 1.39.01
